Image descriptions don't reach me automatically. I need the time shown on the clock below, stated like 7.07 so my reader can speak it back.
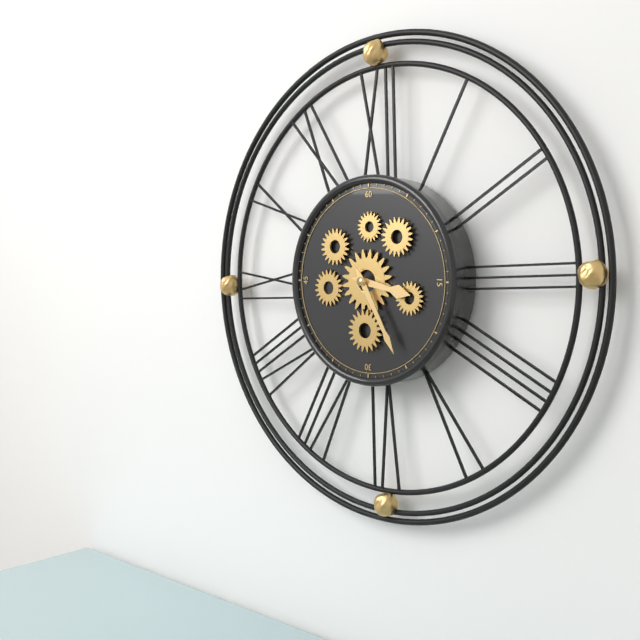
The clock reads 3.25
